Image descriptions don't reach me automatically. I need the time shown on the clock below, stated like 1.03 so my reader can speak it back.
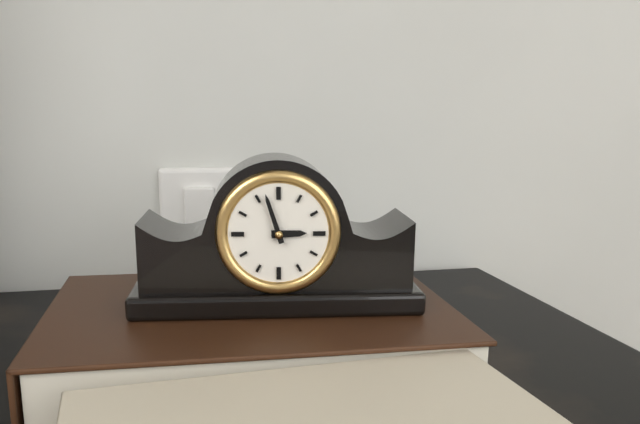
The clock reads 2.57
